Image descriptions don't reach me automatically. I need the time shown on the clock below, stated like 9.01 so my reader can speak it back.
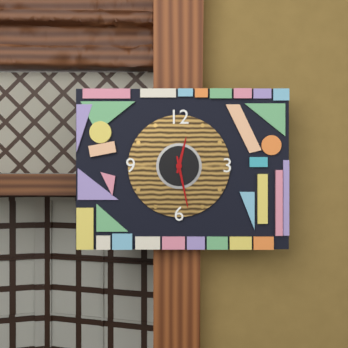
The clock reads 12.28
